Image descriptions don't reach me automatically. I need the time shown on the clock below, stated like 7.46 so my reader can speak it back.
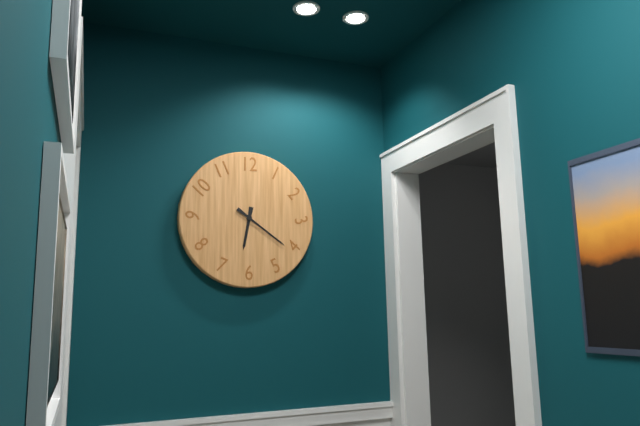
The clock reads 6.21
